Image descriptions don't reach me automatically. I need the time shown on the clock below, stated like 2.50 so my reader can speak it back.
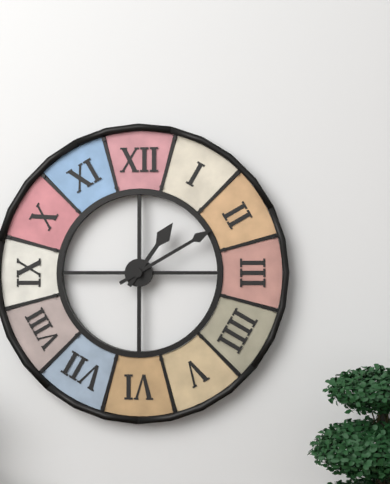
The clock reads 1.10
